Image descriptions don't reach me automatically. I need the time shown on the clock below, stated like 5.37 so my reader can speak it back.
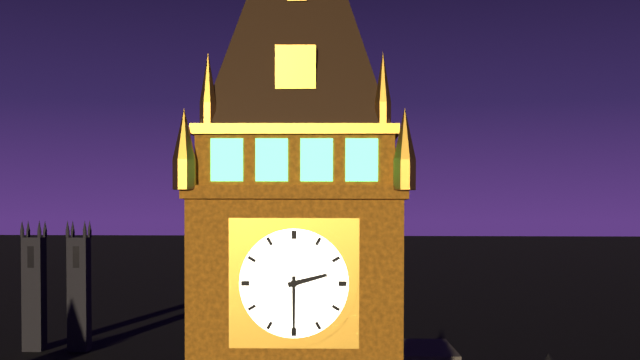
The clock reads 2.30
